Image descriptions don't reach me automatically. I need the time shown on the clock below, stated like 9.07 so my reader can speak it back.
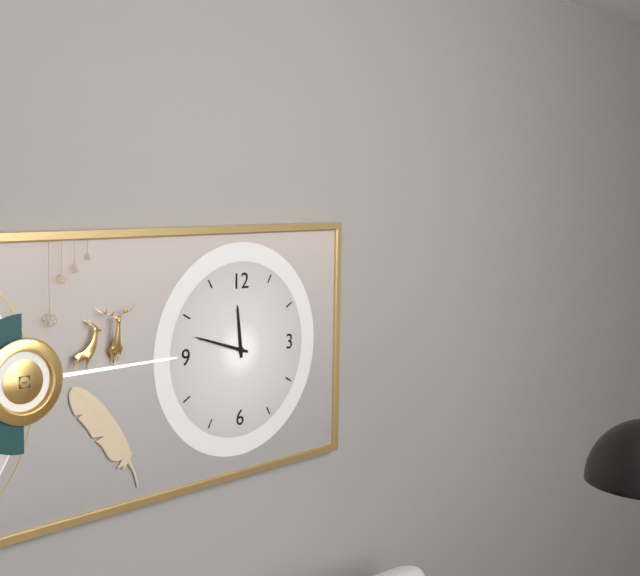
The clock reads 11.48
